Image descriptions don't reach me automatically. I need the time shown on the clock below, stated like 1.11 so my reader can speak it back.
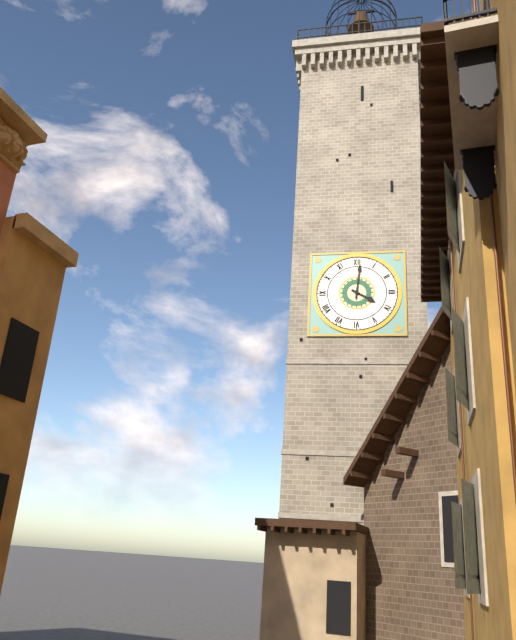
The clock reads 4.01
